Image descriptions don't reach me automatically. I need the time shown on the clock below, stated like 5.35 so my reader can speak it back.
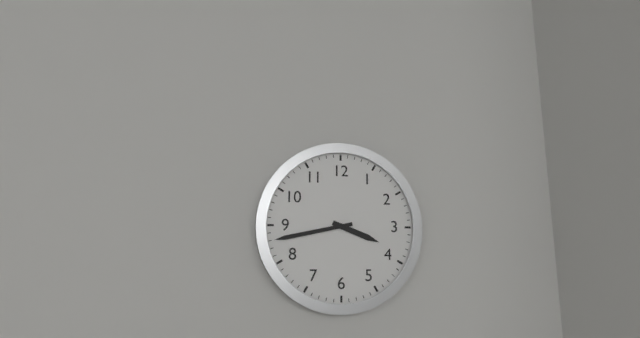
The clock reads 3.43
